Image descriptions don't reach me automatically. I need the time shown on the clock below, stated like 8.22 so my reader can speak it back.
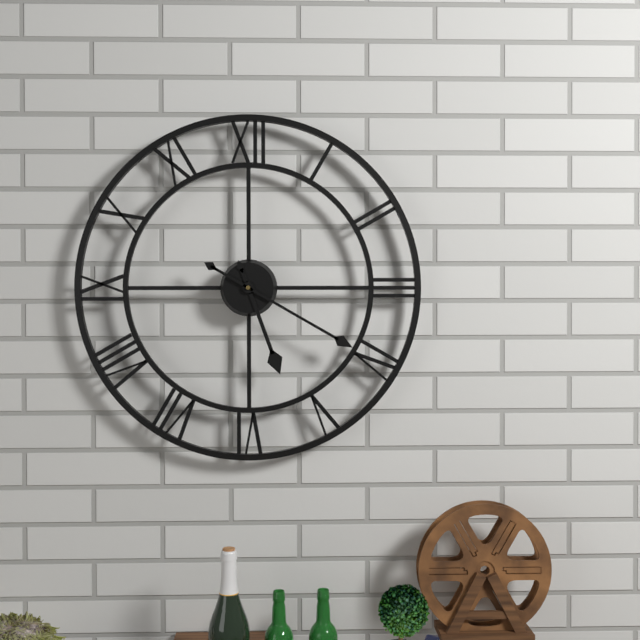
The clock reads 5.20
